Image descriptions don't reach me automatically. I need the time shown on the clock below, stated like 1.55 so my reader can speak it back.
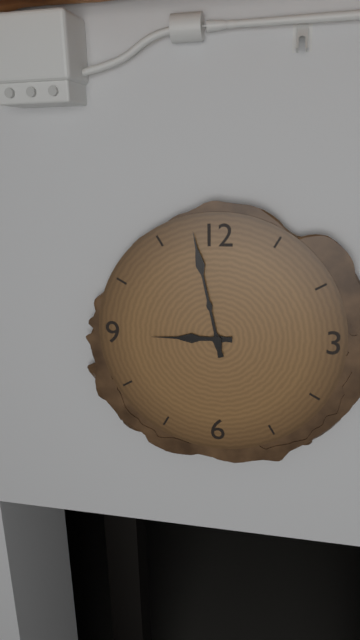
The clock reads 8.58
